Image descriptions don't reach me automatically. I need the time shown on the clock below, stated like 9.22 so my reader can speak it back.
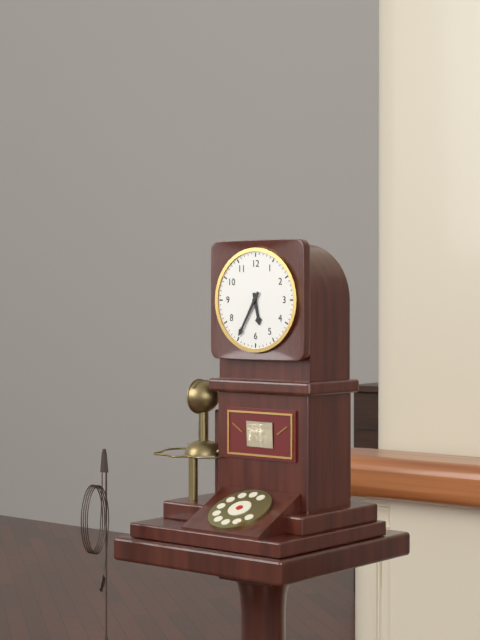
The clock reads 5.35
